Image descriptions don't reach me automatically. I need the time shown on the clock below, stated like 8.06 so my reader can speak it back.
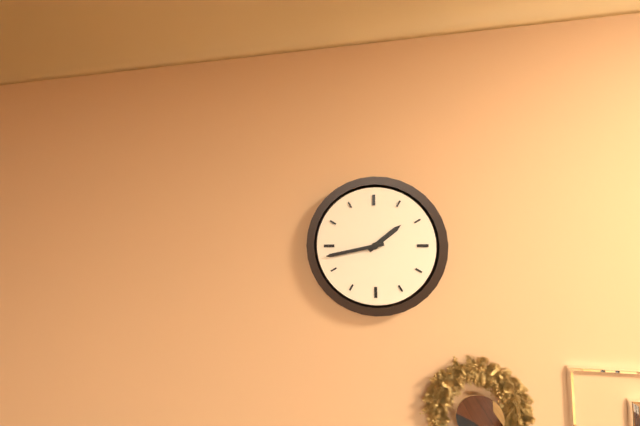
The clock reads 1.43
